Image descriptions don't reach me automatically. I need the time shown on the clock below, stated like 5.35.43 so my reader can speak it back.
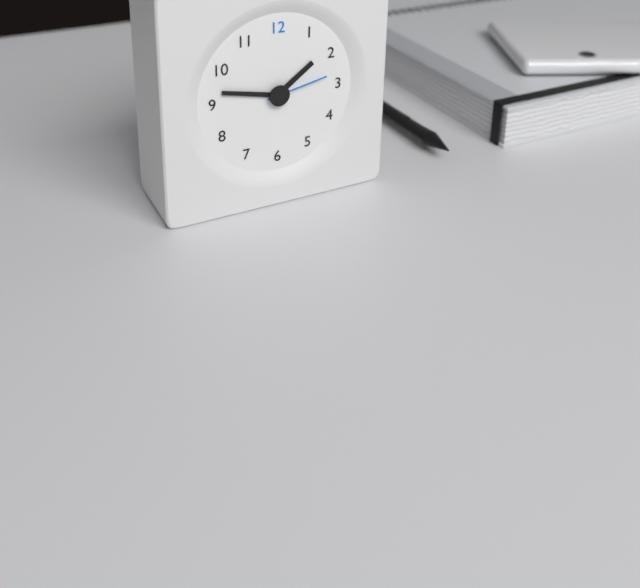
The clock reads 1.47.13
